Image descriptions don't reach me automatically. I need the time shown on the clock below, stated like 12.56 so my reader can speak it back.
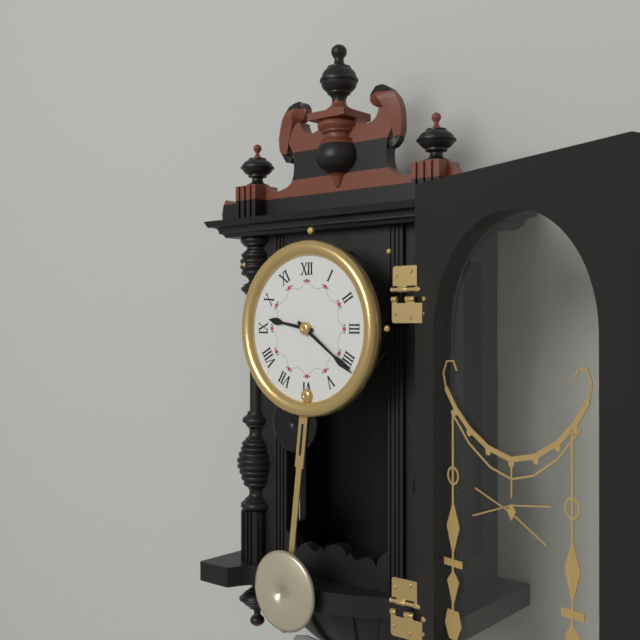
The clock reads 9.21
